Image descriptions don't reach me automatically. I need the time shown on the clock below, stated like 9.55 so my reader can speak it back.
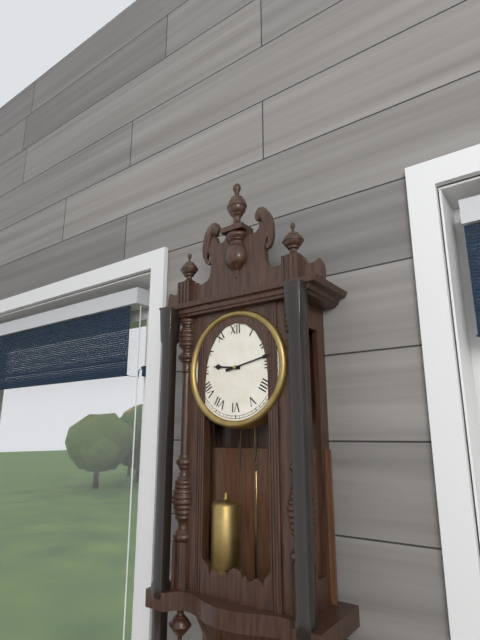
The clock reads 9.13
